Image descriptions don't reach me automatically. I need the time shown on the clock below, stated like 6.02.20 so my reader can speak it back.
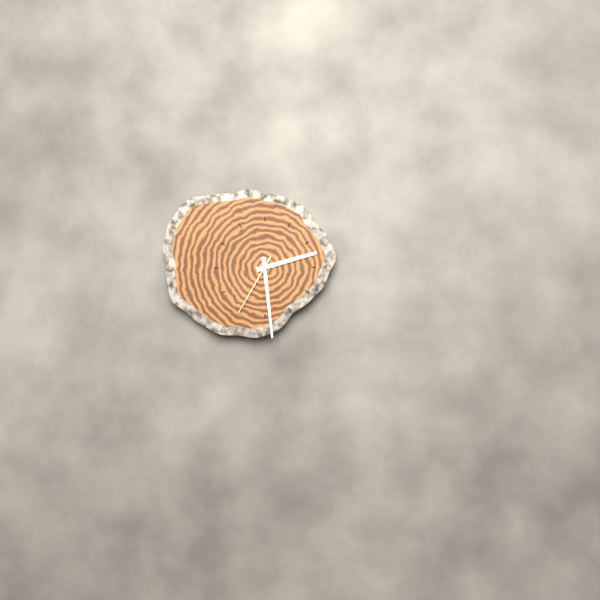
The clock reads 2.29.35
